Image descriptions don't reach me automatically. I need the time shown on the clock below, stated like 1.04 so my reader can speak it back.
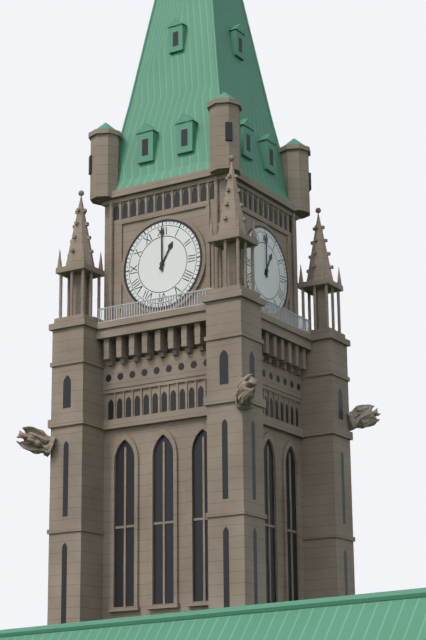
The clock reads 1.00
